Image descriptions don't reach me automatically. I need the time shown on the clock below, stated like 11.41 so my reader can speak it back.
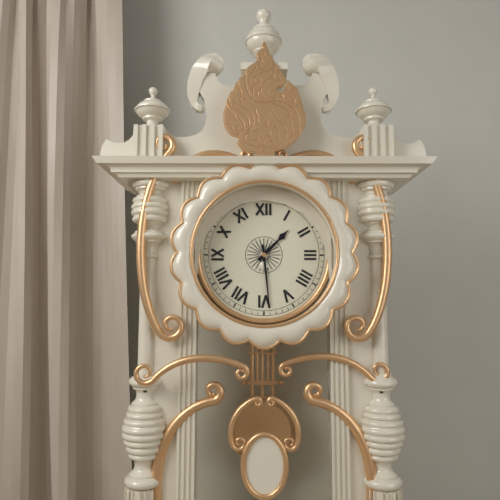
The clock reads 1.29
